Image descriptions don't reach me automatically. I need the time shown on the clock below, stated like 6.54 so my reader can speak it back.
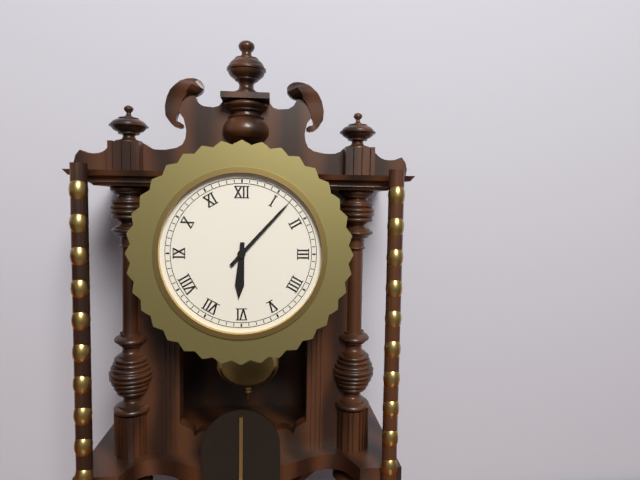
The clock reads 6.07
